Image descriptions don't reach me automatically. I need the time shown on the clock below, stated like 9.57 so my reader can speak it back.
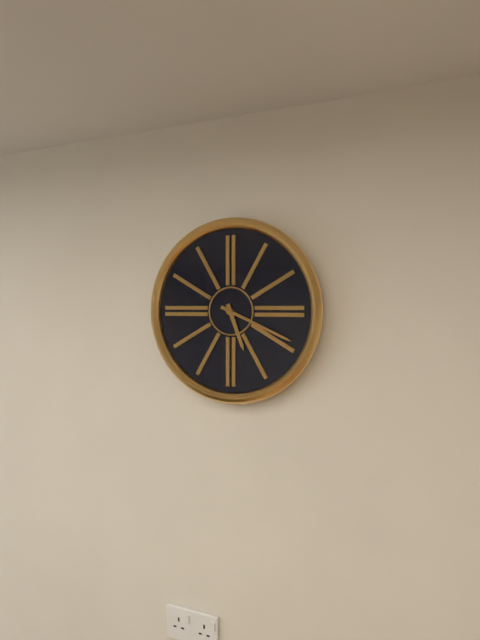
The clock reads 5.19
